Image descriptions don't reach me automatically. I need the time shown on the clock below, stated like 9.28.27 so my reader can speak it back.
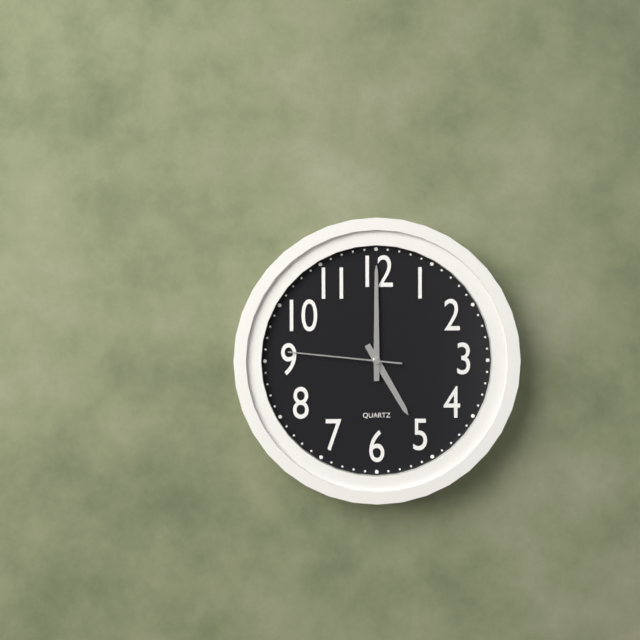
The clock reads 5.00.46
